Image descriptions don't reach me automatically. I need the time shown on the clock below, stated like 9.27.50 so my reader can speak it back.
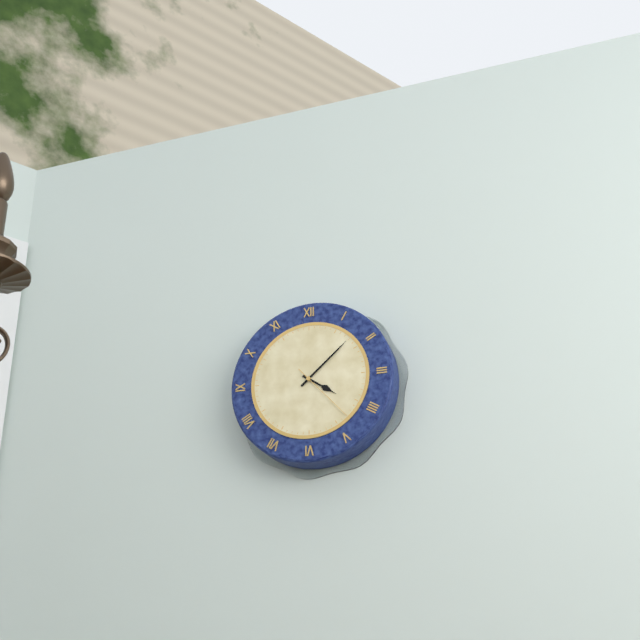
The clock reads 4.08.23
